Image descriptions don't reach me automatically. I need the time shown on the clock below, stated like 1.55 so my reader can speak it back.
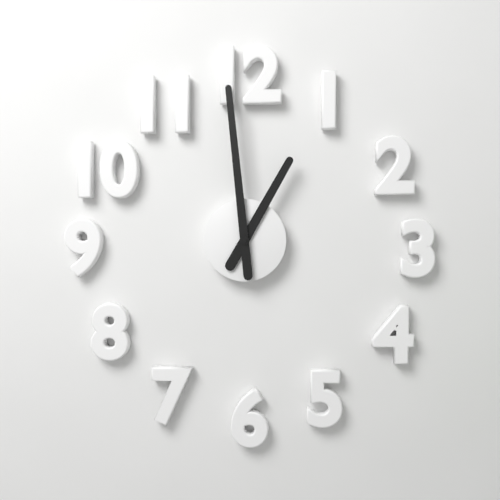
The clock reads 12.59
